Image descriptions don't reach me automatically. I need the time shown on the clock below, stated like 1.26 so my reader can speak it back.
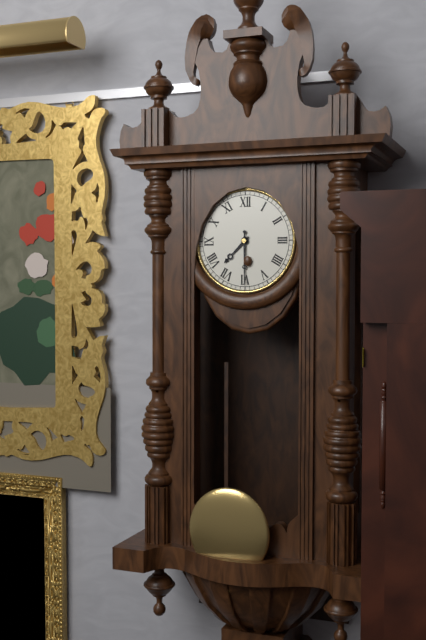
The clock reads 7.30
